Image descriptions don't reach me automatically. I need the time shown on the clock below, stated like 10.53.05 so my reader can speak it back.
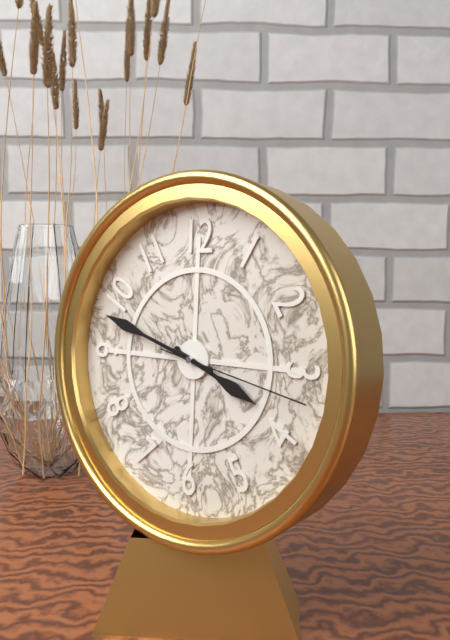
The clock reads 3.48.17
